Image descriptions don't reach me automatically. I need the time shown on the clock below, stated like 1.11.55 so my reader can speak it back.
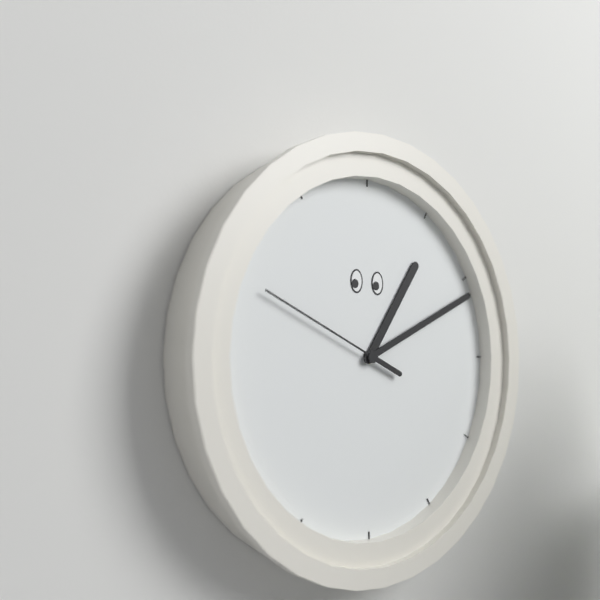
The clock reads 1.11.49
